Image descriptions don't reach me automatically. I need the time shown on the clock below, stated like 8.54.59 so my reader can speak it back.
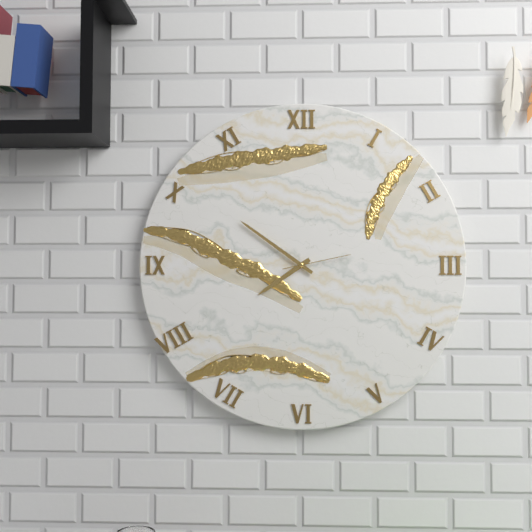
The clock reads 7.51.13
